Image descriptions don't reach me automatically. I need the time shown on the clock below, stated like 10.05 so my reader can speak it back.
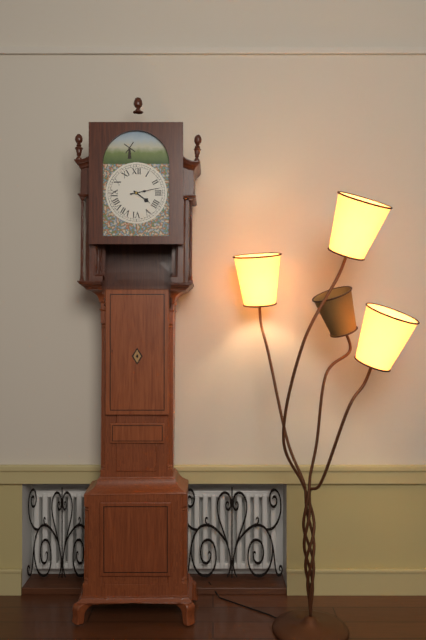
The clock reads 4.13
